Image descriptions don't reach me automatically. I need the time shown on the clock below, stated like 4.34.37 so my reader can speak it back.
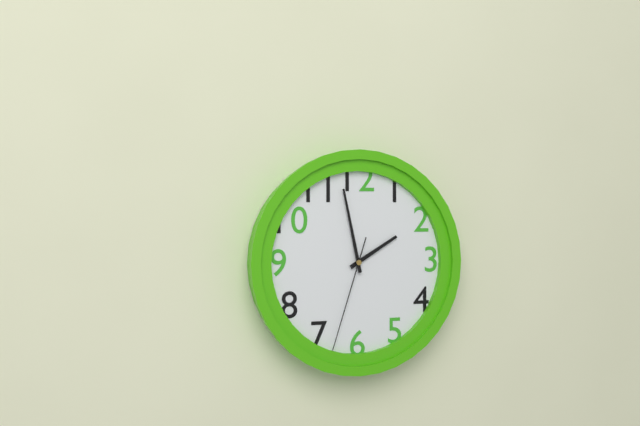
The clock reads 1.58.33
